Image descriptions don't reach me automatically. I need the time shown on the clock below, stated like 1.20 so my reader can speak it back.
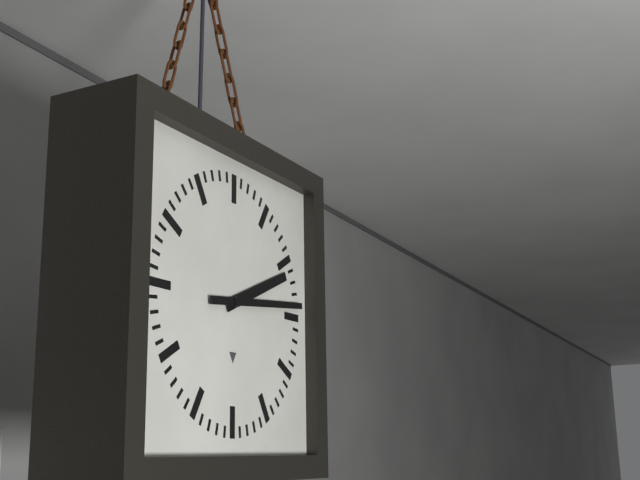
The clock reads 2.14
